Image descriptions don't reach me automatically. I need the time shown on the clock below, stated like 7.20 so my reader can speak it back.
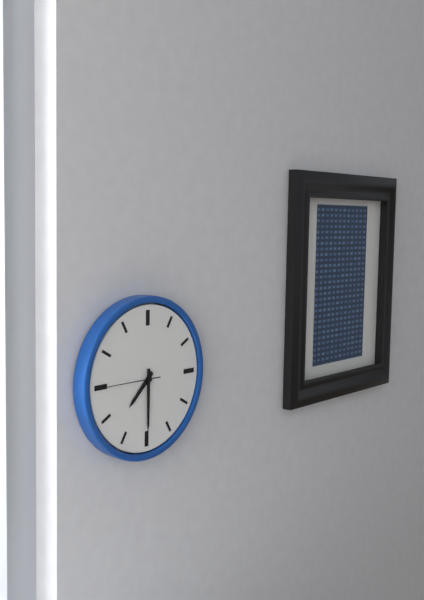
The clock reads 7.30
